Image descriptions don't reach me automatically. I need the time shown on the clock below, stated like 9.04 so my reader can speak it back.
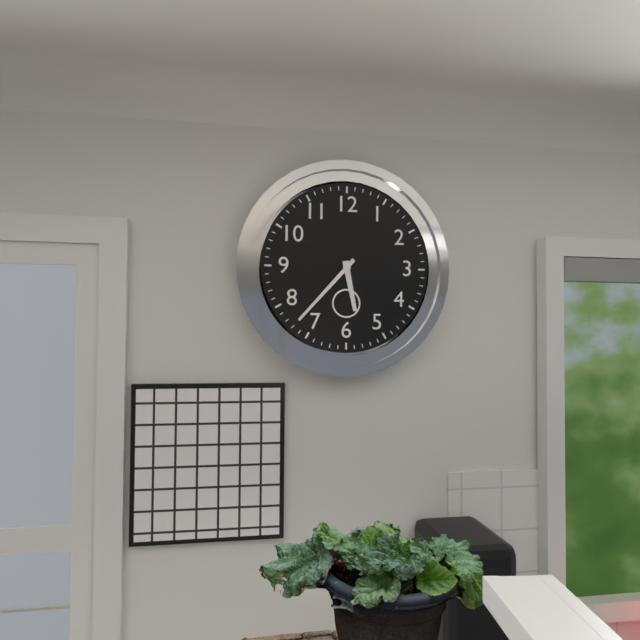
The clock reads 5.37
